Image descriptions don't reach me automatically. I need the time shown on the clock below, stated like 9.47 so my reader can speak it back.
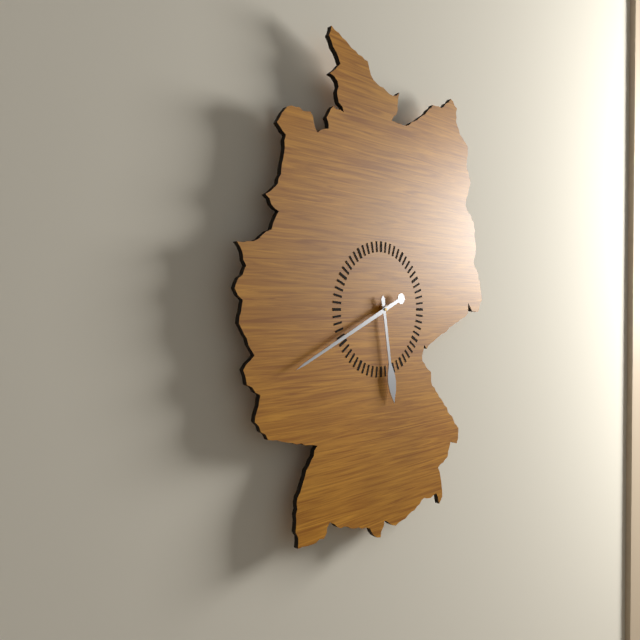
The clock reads 5.41
